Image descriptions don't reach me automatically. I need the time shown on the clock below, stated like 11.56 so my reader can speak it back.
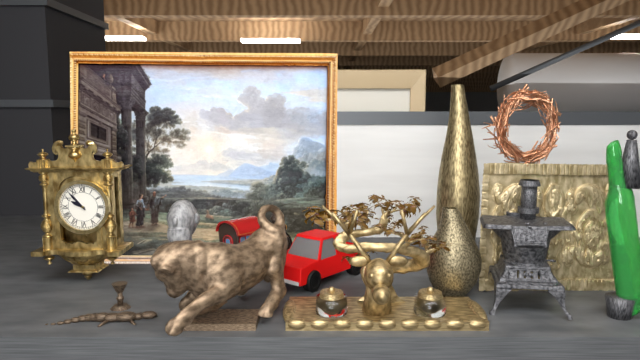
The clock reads 9.53
